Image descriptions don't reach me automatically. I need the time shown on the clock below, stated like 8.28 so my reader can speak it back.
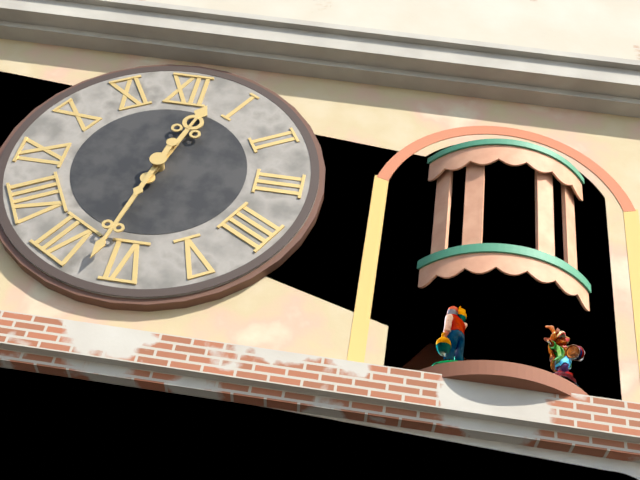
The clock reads 12.32
